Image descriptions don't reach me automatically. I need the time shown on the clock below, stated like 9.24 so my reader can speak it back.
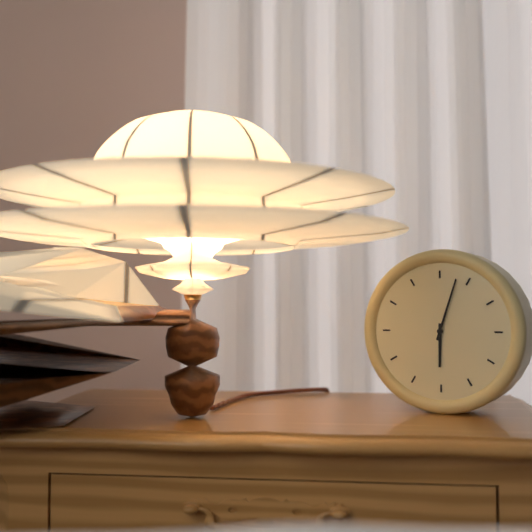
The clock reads 6.03
